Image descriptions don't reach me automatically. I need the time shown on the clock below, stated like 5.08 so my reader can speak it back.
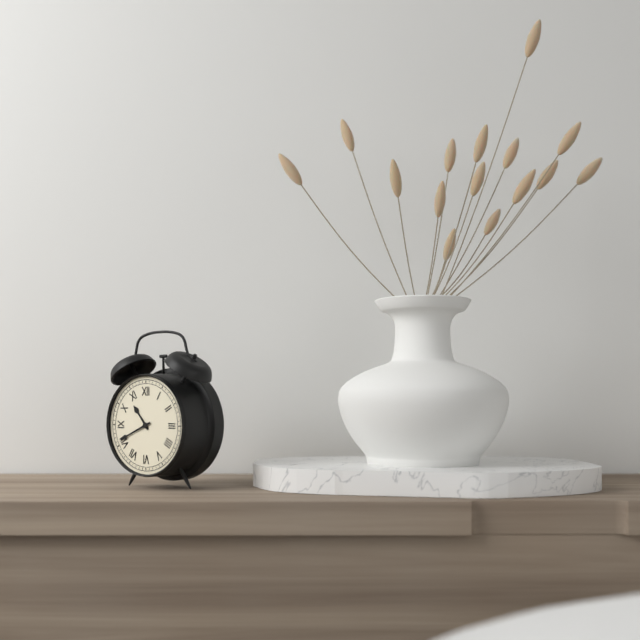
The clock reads 10.41
